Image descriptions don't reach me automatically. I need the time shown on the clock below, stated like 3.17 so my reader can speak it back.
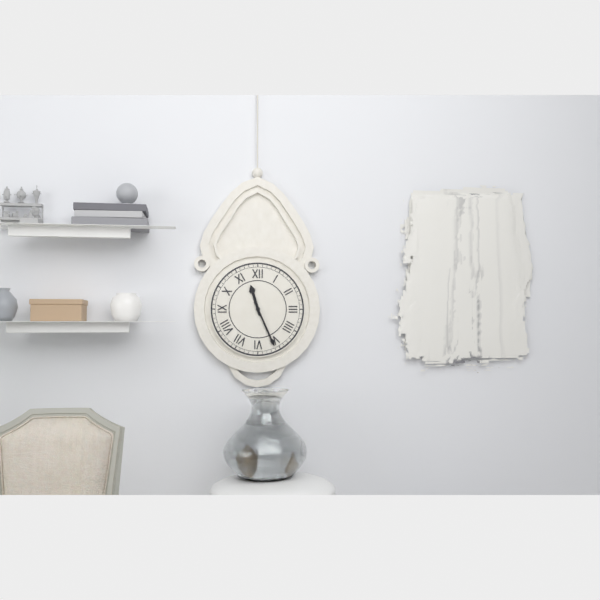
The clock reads 11.26
